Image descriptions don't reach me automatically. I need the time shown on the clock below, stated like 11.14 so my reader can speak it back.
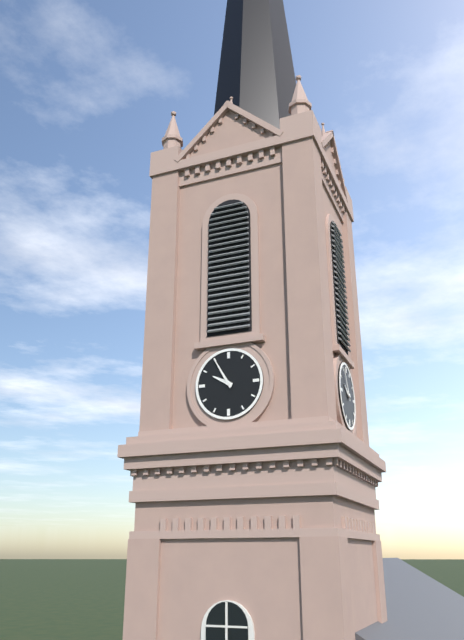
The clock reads 9.55
